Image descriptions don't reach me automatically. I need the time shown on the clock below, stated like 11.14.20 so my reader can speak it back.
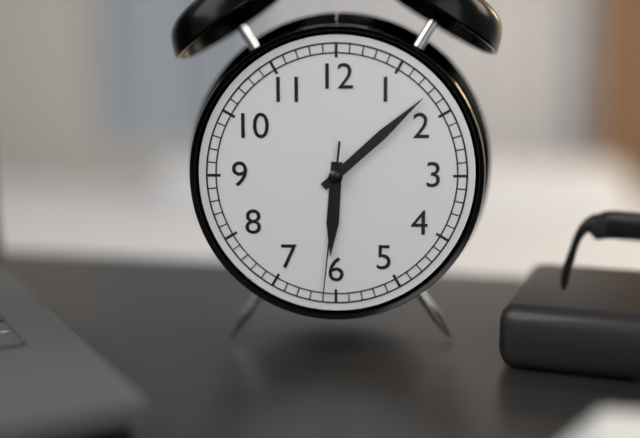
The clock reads 6.08.31
